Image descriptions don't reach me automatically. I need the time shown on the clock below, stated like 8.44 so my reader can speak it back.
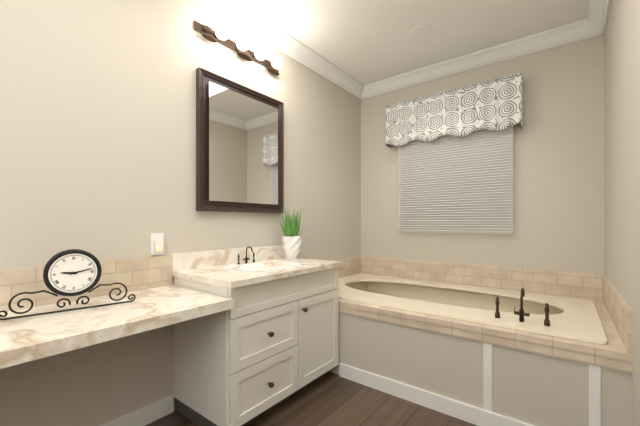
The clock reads 9.13
